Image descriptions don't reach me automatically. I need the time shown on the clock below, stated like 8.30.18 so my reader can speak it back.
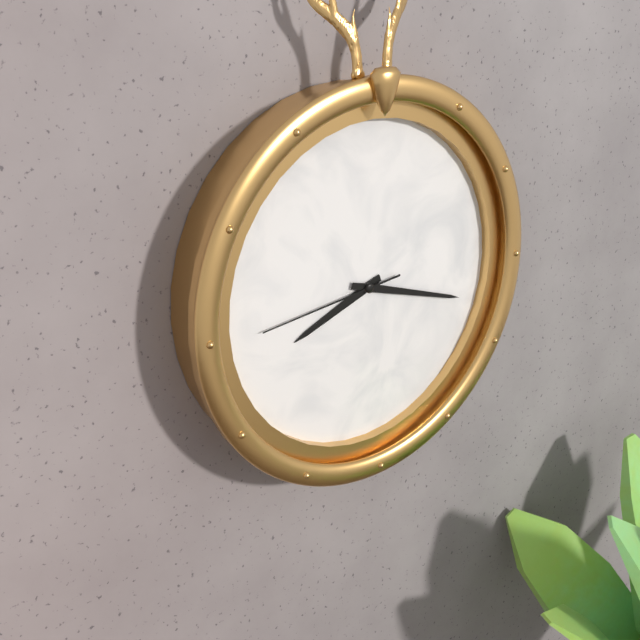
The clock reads 8.18.44
